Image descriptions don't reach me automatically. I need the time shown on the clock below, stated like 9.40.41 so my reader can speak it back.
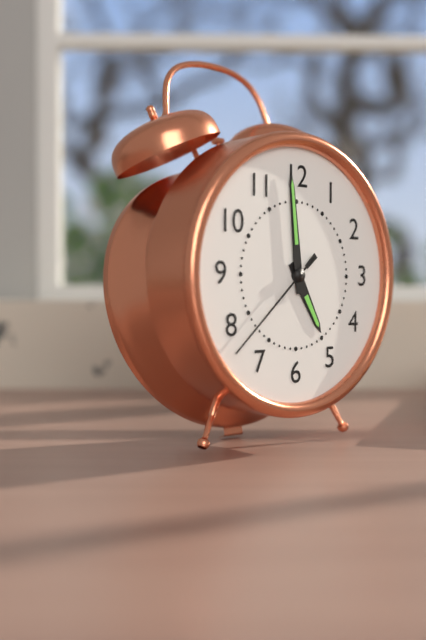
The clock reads 4.59.38
